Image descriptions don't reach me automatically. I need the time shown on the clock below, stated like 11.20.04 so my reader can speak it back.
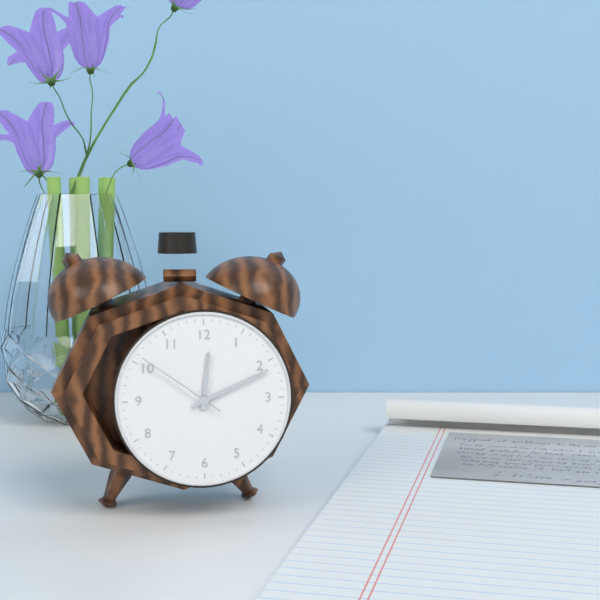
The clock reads 12.11.51
